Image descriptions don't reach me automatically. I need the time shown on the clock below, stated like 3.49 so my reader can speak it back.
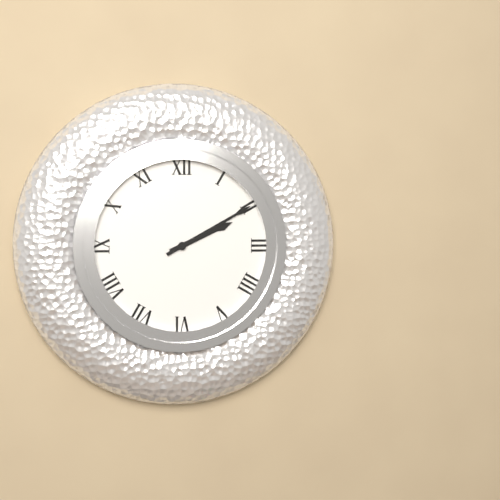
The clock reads 2.10
